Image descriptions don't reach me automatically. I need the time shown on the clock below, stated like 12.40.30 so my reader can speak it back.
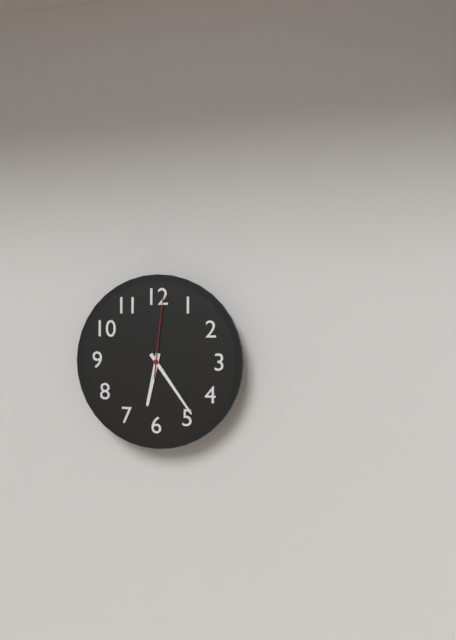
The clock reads 6.24.01
